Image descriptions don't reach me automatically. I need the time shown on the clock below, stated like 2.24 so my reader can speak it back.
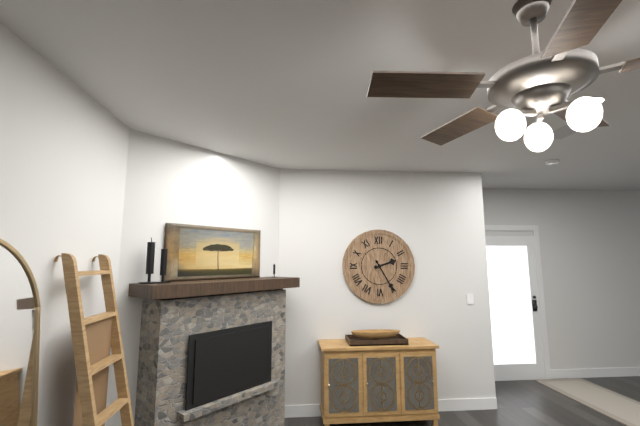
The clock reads 2.25
